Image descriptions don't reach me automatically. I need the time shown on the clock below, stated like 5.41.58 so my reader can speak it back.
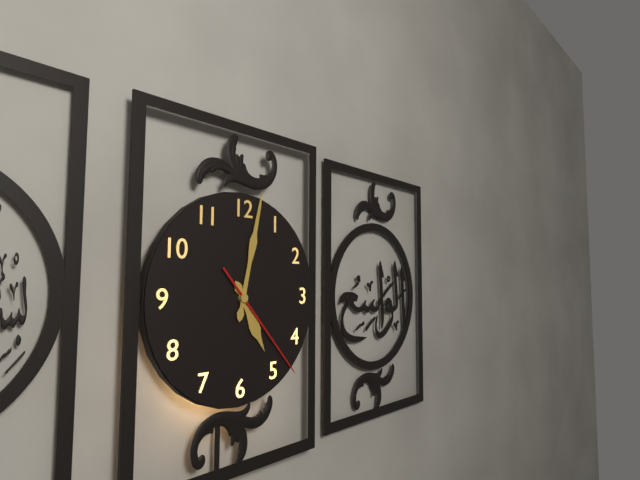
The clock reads 5.02.23
